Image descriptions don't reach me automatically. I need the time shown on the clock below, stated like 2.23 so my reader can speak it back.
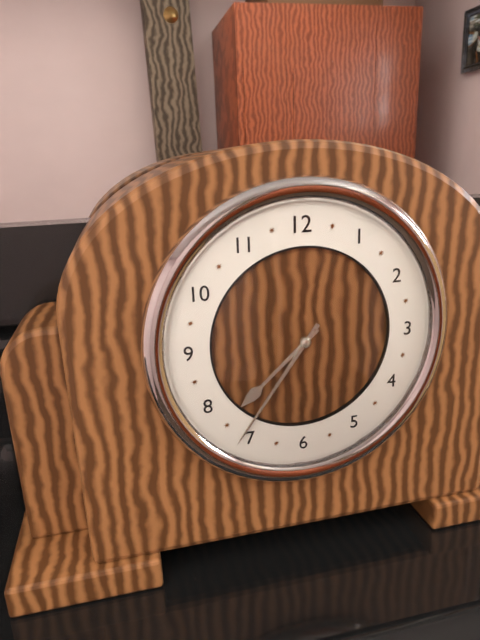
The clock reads 7.36
